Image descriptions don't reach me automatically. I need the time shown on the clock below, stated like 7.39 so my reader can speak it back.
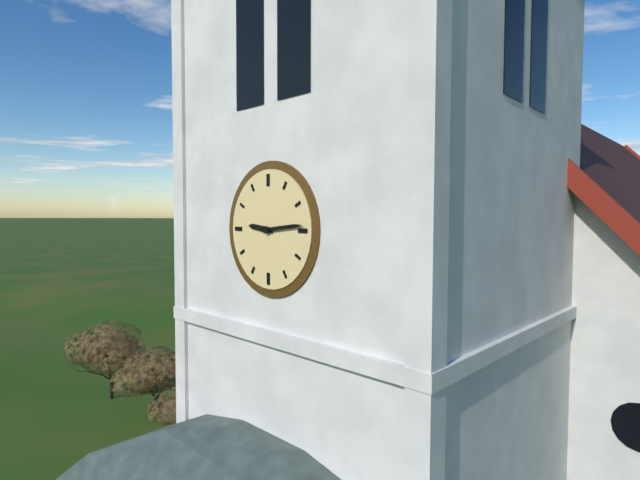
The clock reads 9.14
